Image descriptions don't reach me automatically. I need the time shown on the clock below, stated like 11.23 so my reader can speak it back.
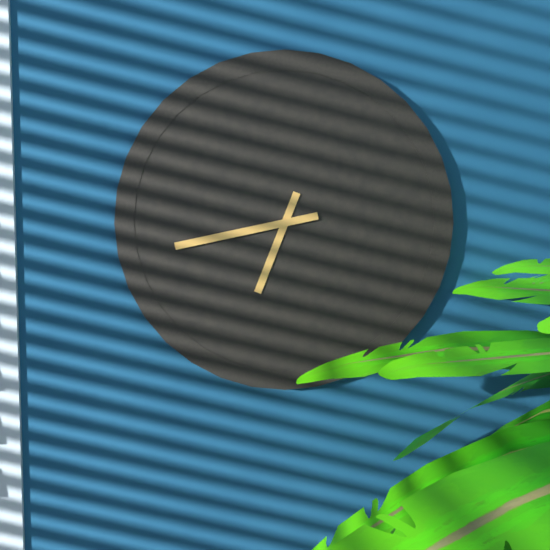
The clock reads 6.43
